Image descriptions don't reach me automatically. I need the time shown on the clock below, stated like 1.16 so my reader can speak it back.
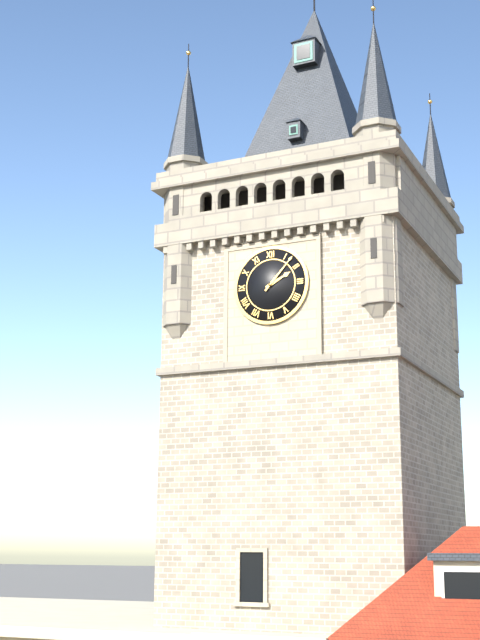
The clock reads 2.07
